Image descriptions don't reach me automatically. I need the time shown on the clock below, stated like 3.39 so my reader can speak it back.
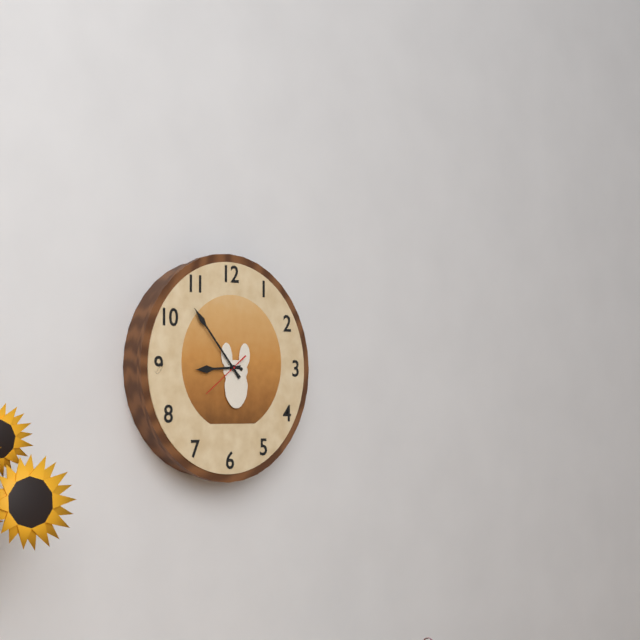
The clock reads 8.53
